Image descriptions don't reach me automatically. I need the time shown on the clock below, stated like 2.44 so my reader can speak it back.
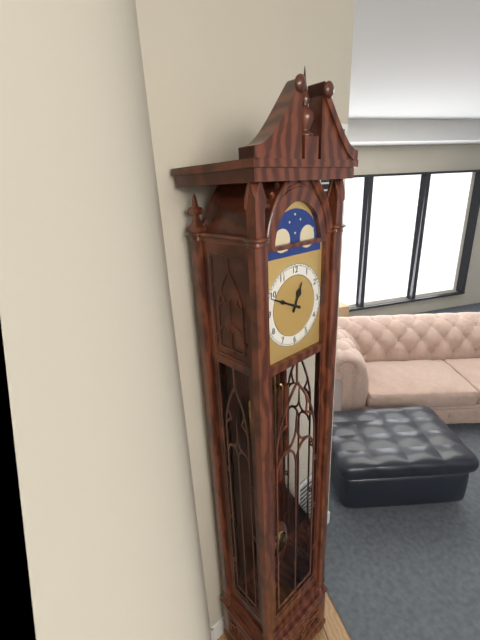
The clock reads 12.49
